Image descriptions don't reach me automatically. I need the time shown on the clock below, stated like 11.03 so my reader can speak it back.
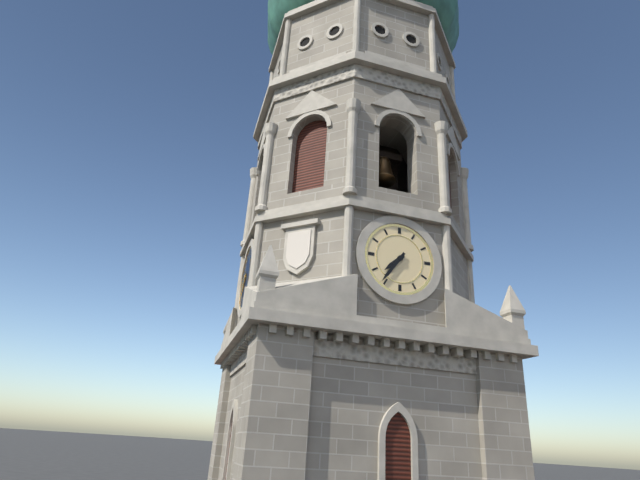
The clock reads 7.36
